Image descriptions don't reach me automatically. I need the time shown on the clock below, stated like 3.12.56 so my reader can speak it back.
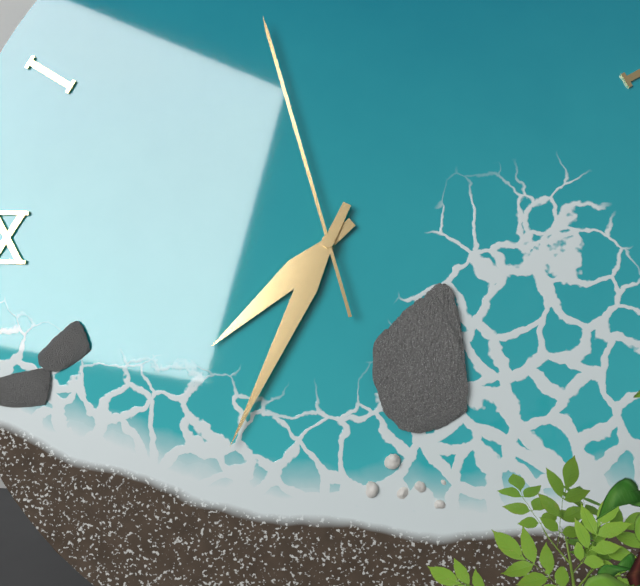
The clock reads 7.34.57
